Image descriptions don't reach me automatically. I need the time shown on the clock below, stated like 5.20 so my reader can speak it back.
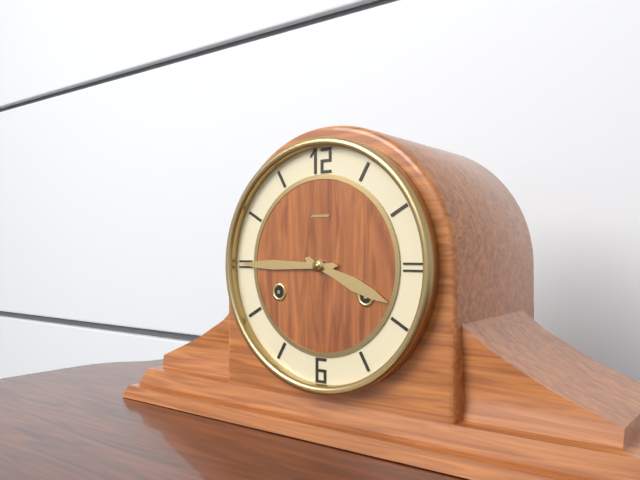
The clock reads 3.45
